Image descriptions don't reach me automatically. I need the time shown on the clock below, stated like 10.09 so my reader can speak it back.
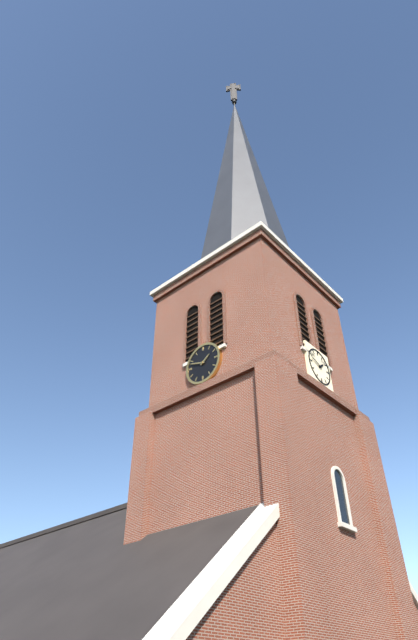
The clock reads 1.48
